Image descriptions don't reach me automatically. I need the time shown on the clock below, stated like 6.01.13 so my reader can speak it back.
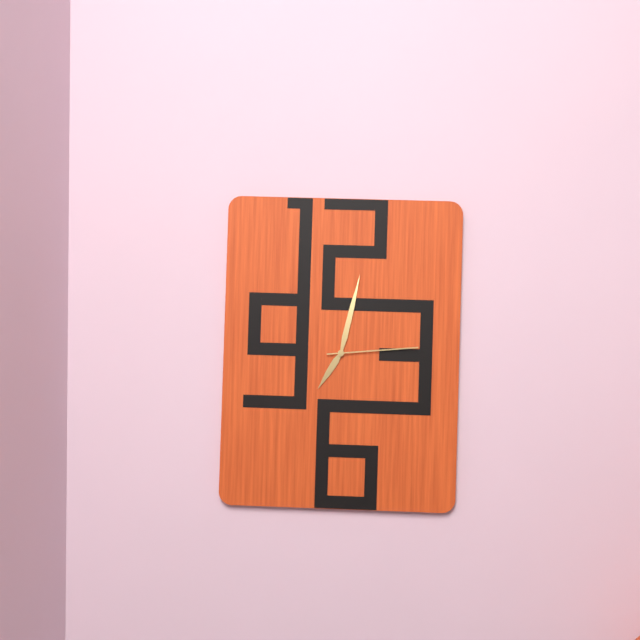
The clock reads 7.02.14
